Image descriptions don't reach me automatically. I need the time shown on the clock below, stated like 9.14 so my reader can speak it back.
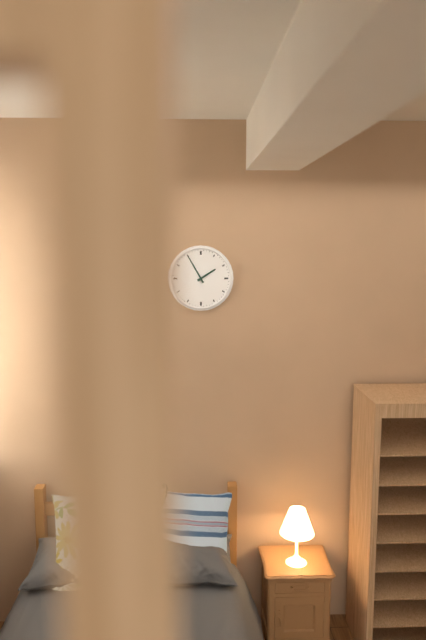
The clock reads 1.55
